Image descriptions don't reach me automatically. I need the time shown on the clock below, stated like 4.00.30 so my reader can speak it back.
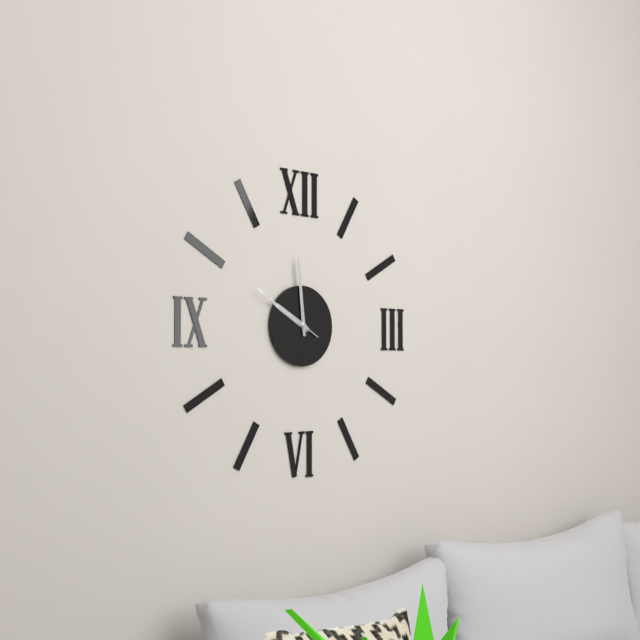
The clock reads 9.59.50
